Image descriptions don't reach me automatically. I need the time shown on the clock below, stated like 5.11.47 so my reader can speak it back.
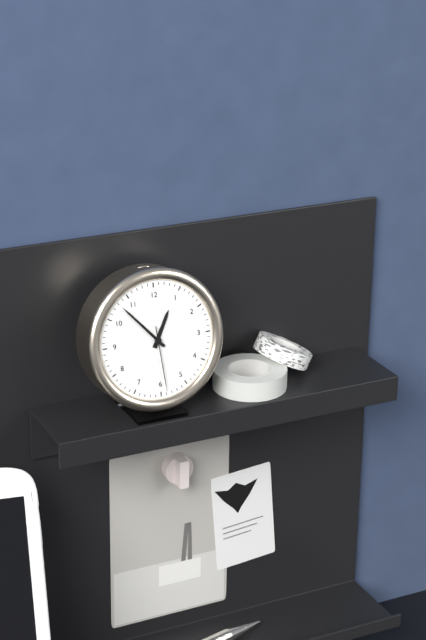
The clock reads 12.53.29
